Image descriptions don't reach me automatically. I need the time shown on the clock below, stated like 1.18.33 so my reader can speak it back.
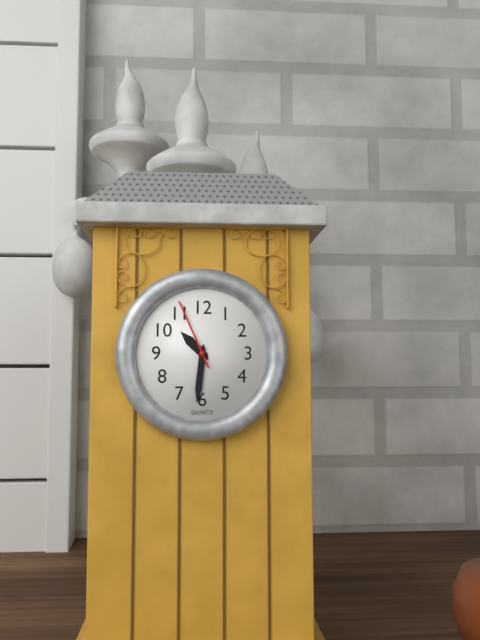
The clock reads 10.31.56
